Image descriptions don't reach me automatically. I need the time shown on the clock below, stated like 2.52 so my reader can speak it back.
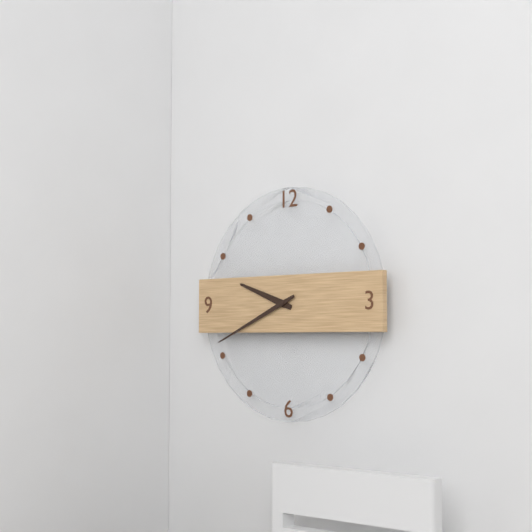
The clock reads 9.41
